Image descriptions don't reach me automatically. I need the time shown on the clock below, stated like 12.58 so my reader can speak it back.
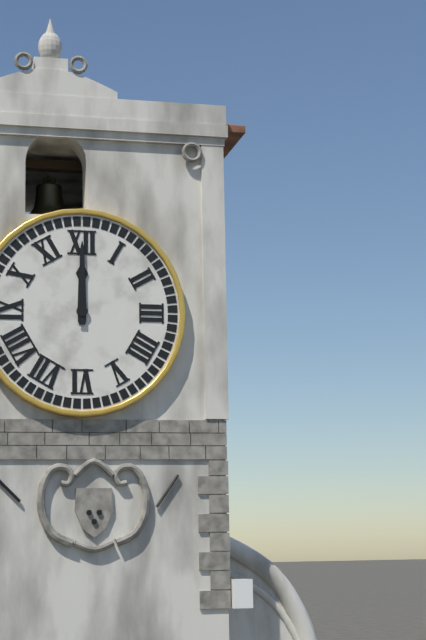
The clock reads 12.00
